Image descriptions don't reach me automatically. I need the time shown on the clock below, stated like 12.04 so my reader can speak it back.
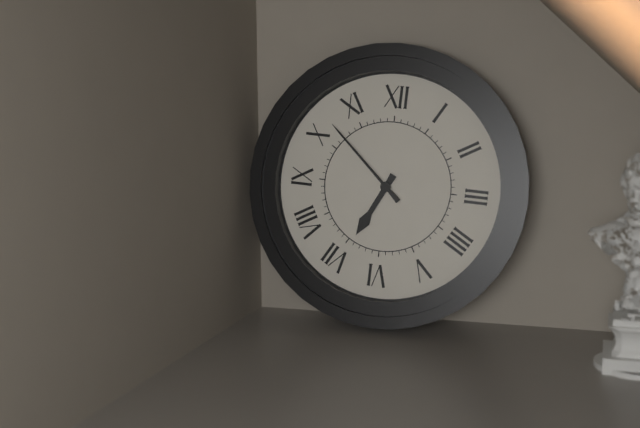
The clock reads 6.52
